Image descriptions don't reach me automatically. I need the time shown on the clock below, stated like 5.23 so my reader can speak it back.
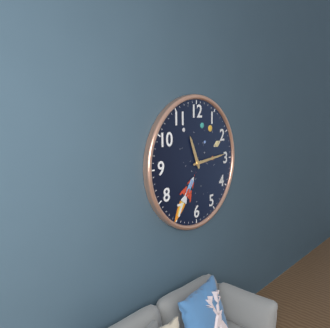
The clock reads 11.14
